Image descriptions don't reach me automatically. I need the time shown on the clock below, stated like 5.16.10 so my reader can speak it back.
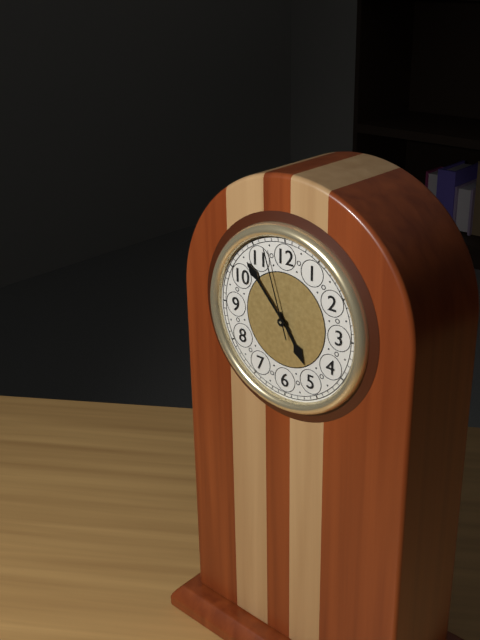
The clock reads 4.53.57
